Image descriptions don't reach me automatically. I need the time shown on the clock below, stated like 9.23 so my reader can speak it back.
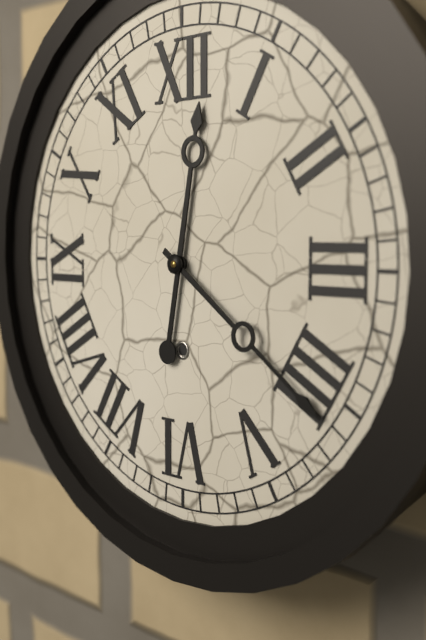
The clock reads 12.21
